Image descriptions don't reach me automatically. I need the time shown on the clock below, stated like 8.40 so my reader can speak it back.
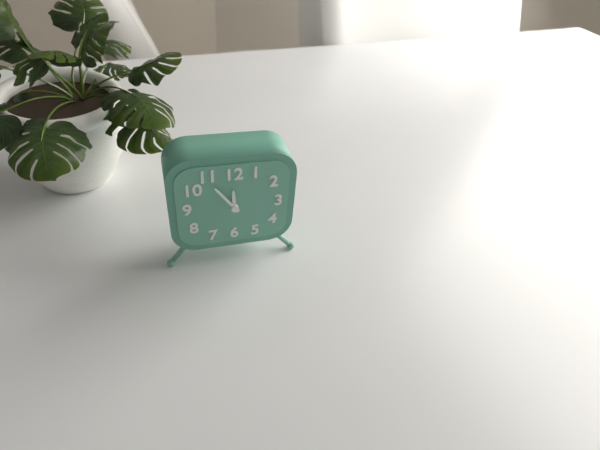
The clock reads 11.54
